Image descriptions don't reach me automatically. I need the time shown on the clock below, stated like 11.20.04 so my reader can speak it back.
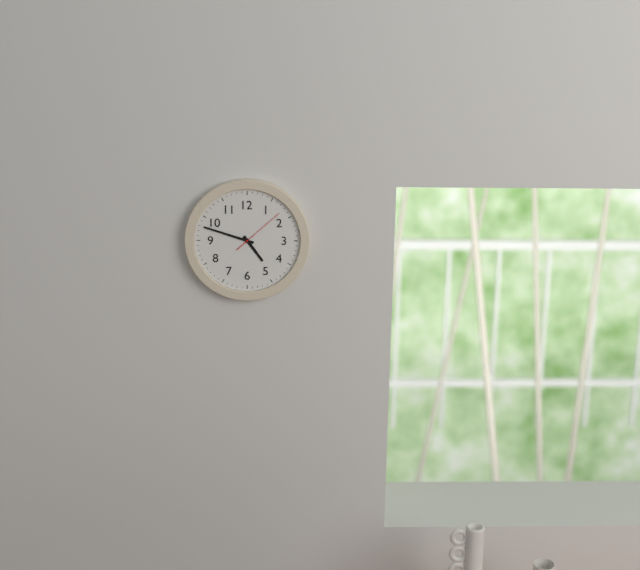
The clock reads 4.48.08
